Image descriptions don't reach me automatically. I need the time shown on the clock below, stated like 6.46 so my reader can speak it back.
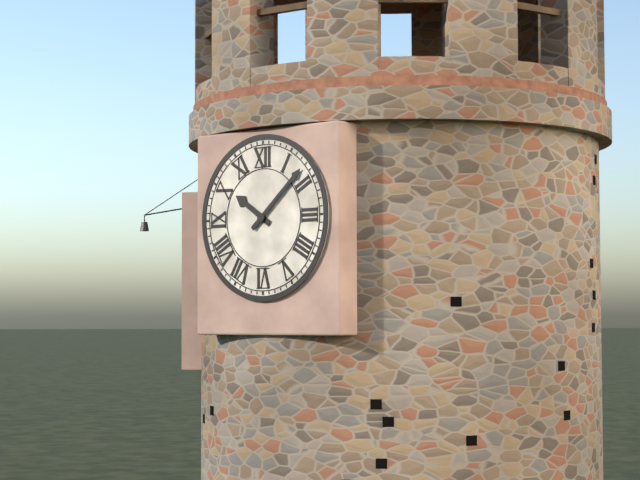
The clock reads 10.08
